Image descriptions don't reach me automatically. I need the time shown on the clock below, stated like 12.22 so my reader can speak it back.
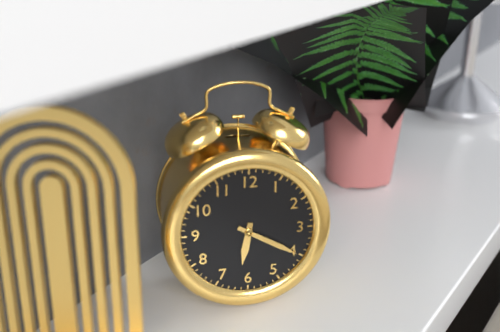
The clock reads 6.20
